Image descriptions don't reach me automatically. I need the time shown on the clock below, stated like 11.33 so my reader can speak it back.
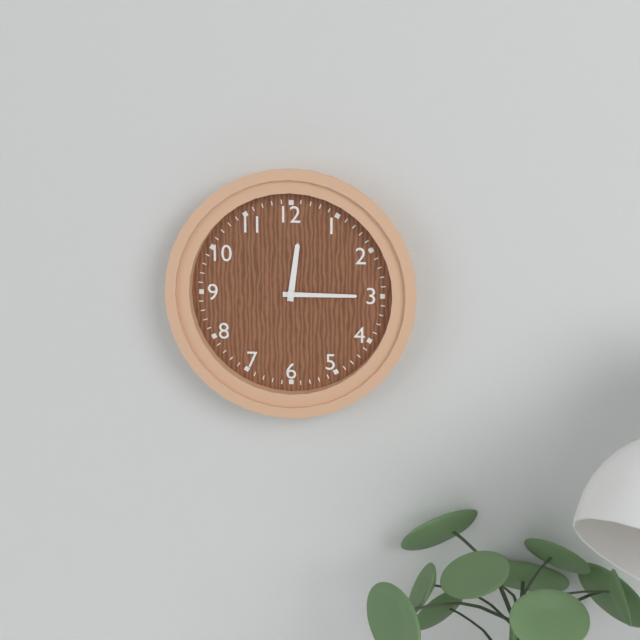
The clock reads 12.15
